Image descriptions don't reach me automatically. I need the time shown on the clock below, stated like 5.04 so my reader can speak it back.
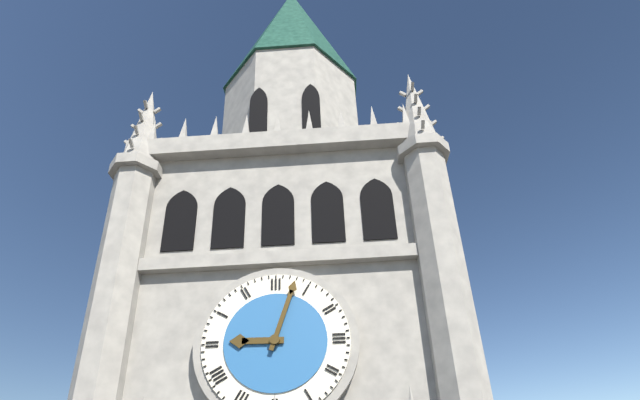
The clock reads 9.03
